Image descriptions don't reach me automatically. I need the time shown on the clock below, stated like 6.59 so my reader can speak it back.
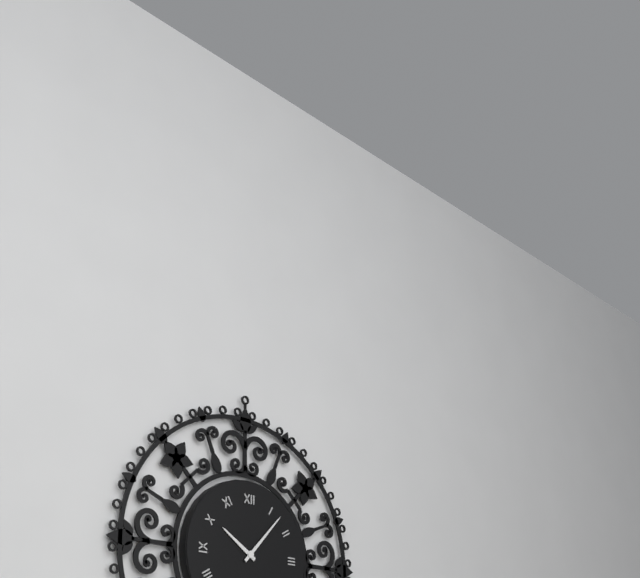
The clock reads 10.07
